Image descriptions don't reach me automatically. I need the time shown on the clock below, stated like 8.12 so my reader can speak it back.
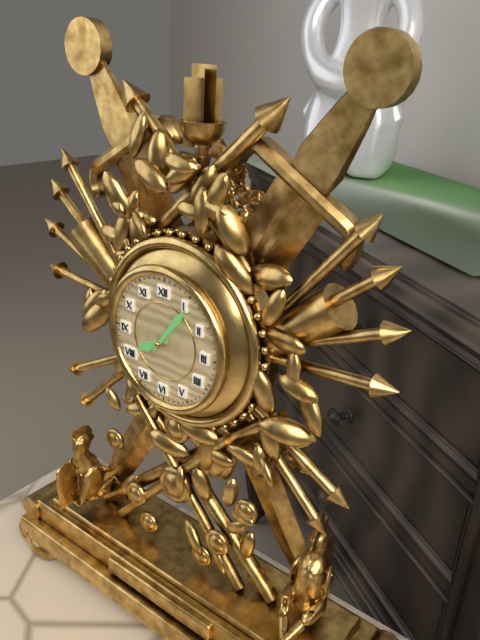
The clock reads 8.06
